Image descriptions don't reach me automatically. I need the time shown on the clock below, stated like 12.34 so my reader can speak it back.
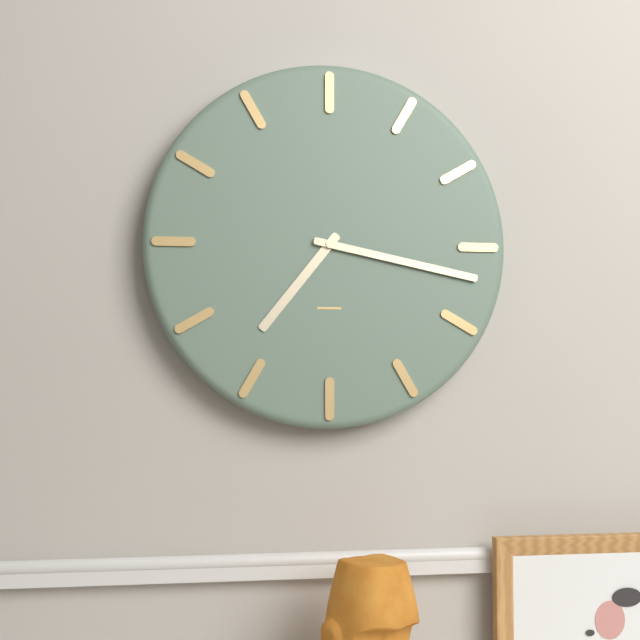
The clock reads 7.17
